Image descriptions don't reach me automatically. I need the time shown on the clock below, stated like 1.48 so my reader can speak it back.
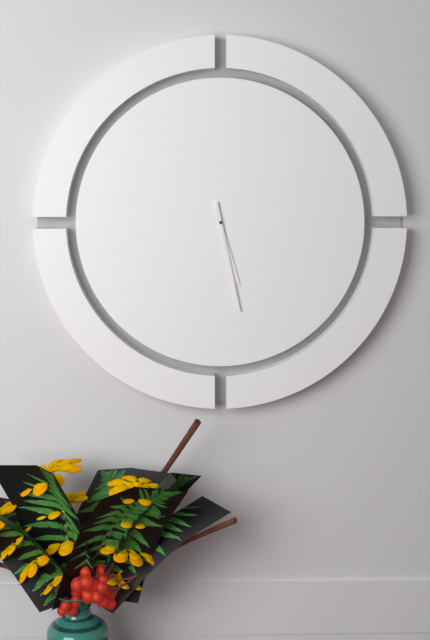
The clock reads 5.28
